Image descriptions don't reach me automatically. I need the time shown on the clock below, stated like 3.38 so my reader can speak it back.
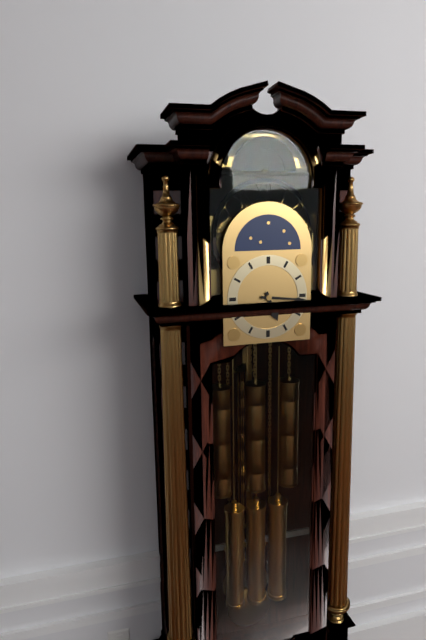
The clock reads 5.16
